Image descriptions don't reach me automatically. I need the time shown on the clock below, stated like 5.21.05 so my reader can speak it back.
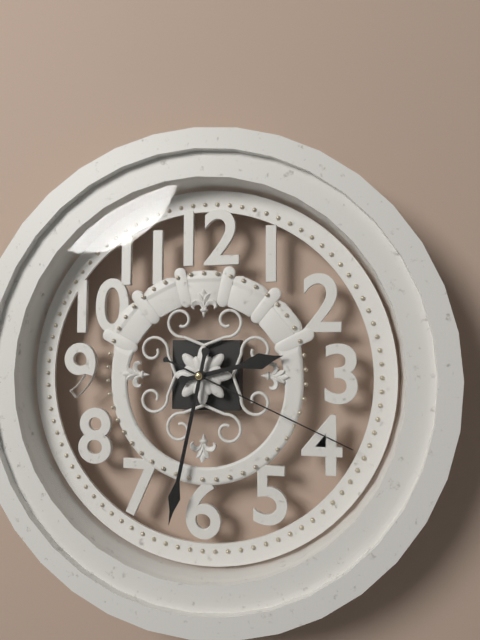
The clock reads 2.32.19
